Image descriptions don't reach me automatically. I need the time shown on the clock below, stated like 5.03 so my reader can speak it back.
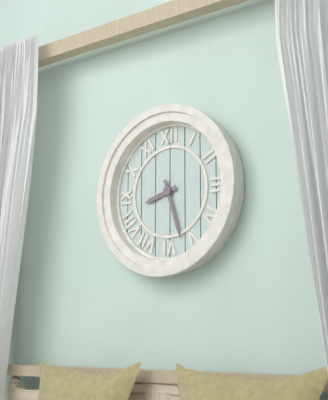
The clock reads 8.27
